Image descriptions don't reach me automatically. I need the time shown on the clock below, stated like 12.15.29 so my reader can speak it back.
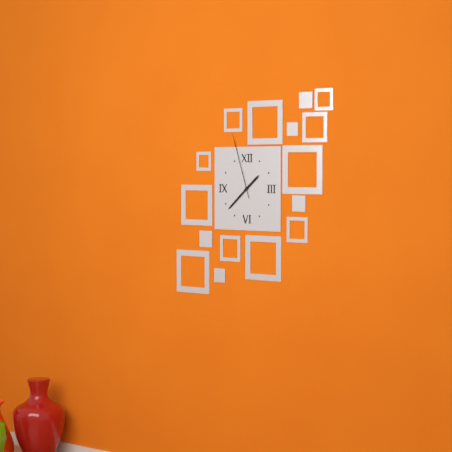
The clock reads 1.38.57
